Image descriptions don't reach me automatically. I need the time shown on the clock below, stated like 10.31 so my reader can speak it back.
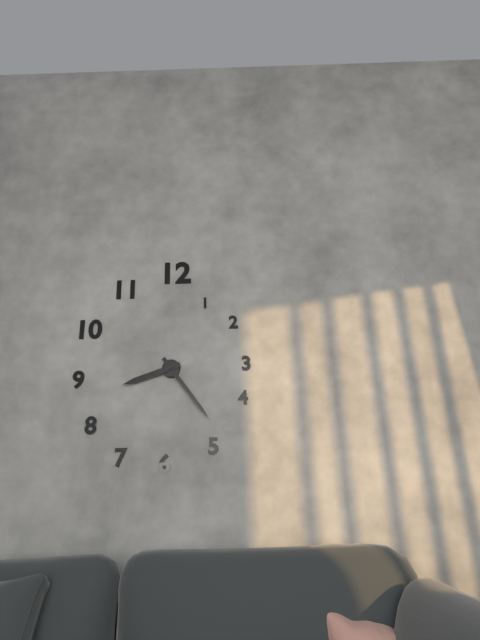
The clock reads 8.24
